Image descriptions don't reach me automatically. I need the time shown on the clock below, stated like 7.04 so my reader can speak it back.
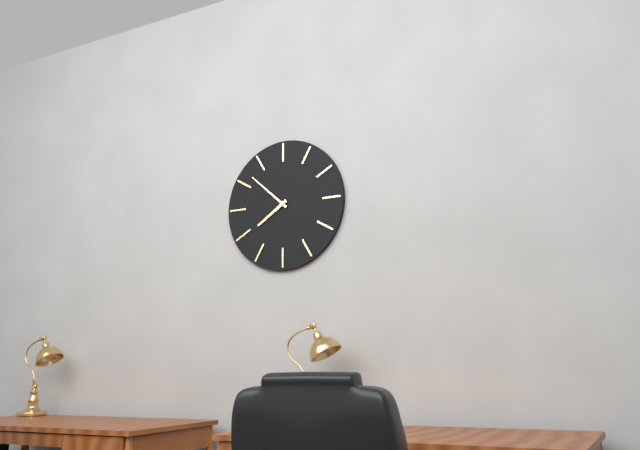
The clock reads 7.52
